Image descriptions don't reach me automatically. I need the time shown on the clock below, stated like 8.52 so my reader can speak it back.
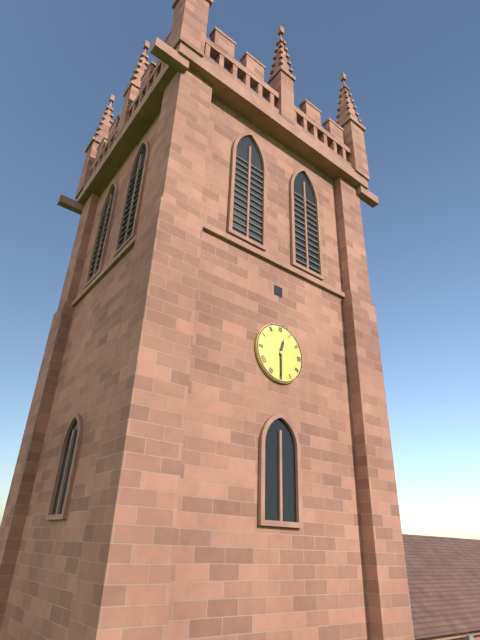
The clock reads 12.30
